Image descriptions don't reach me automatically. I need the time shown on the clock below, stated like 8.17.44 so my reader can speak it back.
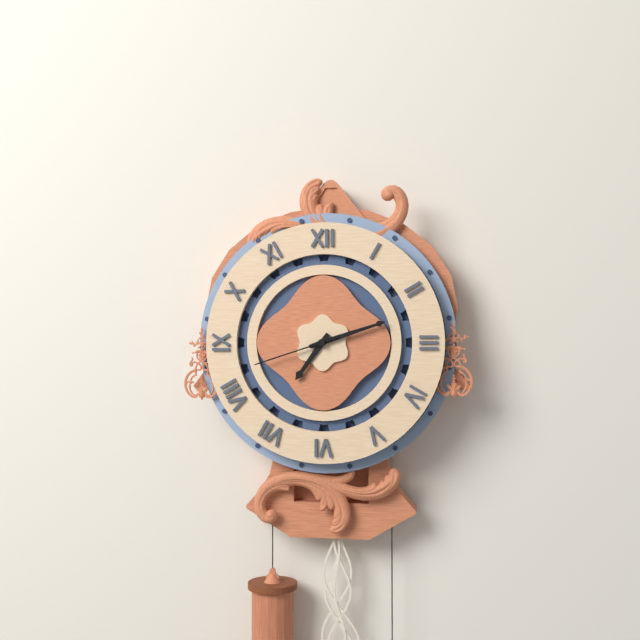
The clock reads 7.12.42
